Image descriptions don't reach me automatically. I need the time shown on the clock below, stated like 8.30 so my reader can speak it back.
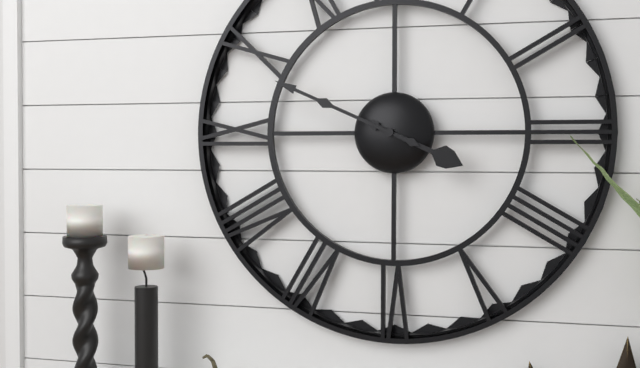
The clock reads 3.49
